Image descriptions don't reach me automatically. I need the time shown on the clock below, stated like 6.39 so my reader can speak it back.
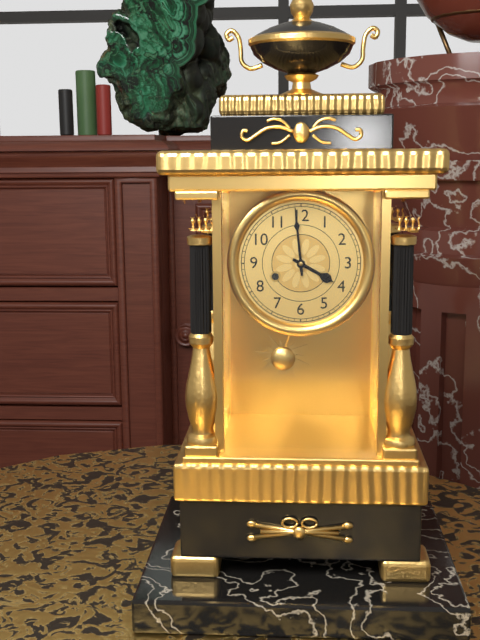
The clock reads 3.59
